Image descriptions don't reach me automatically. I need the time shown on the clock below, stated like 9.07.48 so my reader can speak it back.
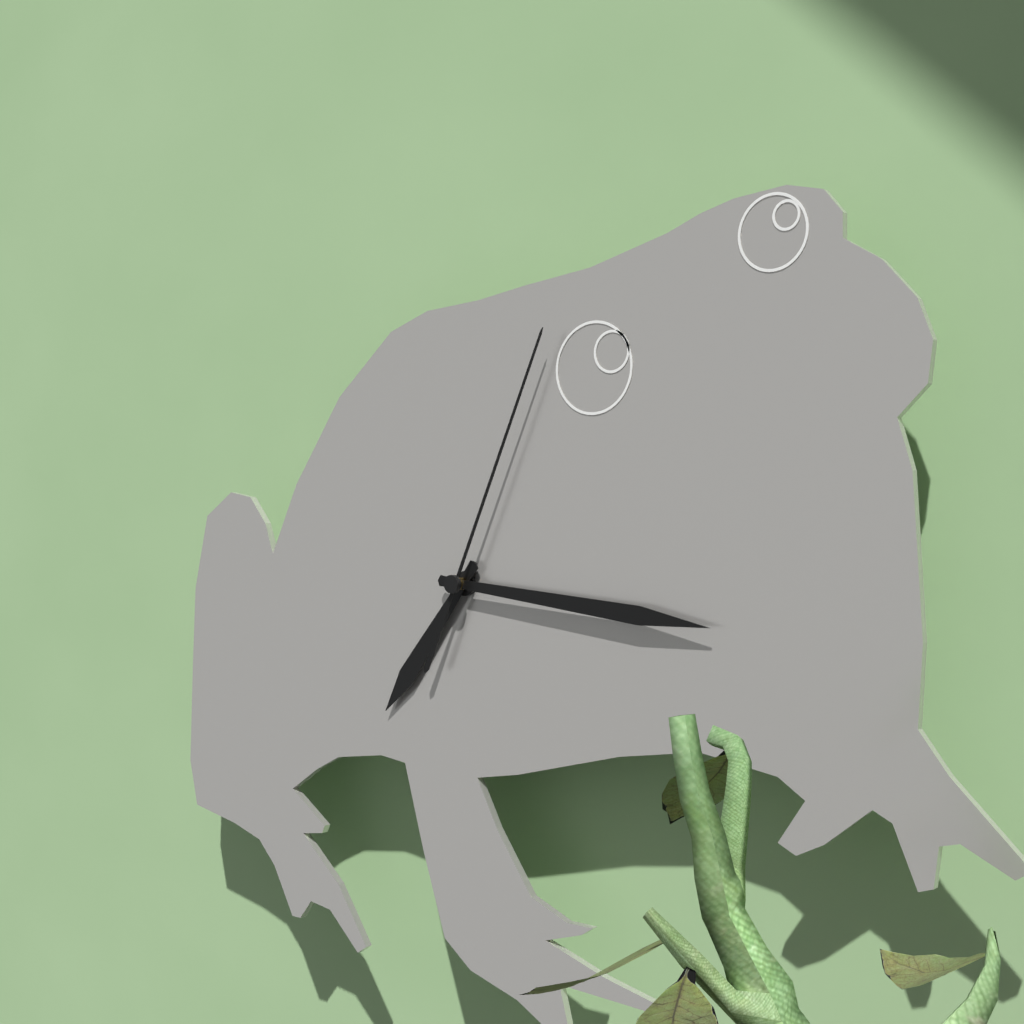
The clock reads 7.16.04
